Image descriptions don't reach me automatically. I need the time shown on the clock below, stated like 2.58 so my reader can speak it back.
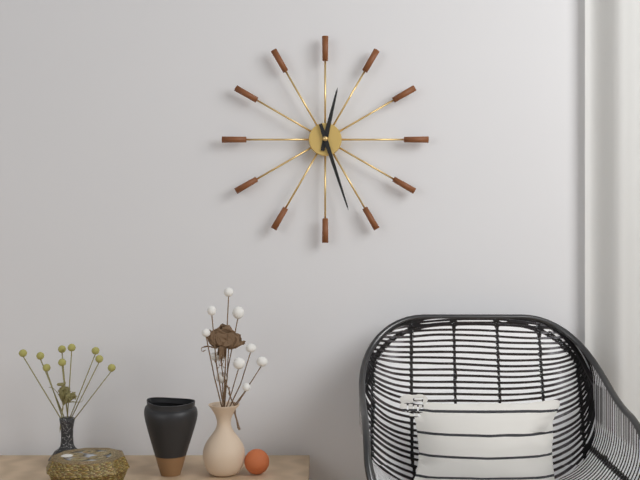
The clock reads 12.27
